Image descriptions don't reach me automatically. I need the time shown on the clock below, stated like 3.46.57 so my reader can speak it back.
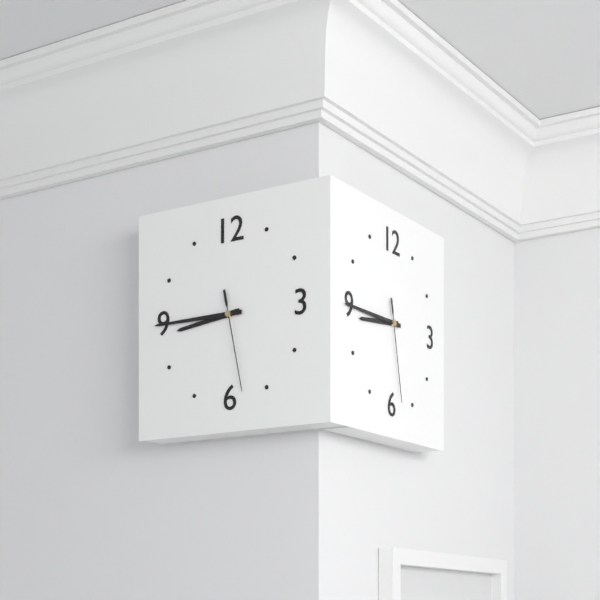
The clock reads 8.45.28
